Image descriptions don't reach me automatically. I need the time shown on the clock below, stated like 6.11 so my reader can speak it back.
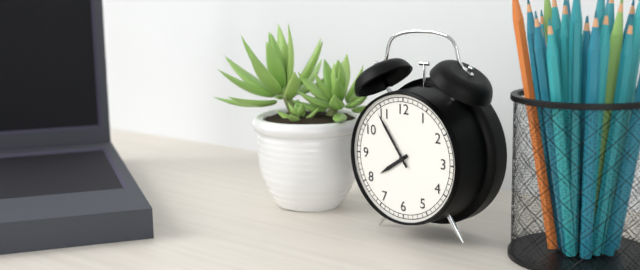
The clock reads 7.54
